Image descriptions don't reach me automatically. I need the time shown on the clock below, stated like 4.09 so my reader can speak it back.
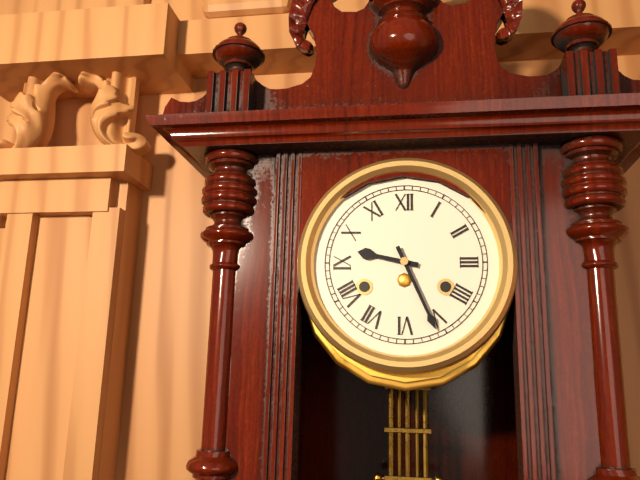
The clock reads 9.26
